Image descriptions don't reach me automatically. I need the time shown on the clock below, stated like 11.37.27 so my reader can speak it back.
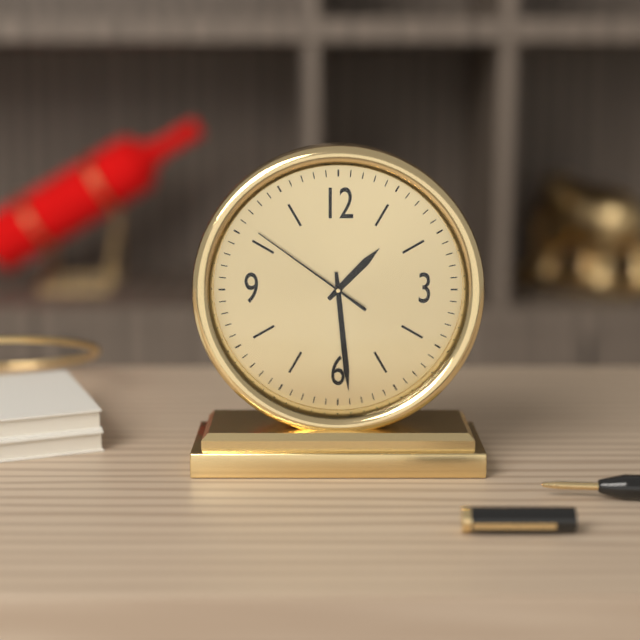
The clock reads 1.29.51
